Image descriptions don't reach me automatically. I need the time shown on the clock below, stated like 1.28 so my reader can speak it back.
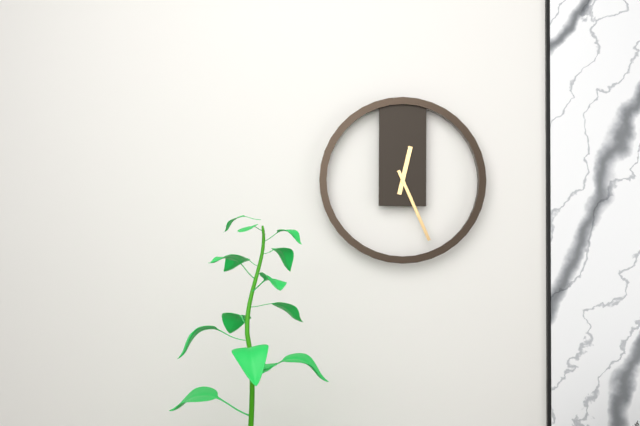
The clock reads 12.26
